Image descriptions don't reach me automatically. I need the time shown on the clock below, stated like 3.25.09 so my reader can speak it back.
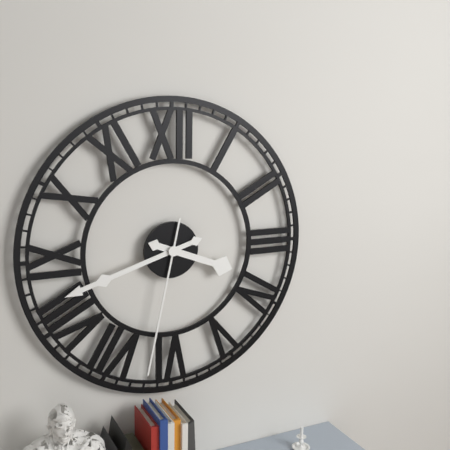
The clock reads 3.42.32
